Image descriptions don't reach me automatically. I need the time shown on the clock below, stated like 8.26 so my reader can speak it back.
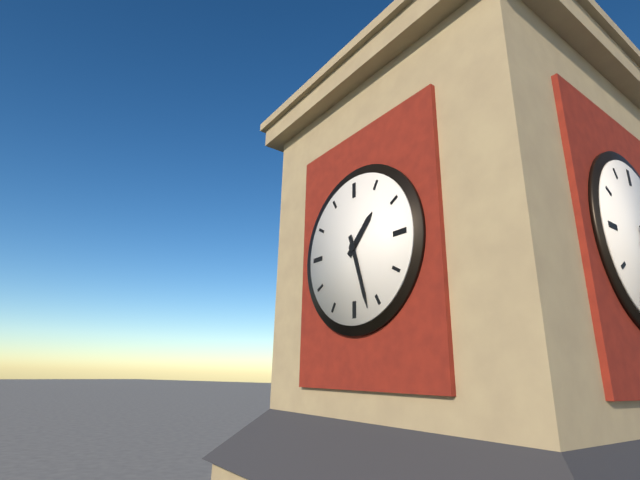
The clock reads 1.27
